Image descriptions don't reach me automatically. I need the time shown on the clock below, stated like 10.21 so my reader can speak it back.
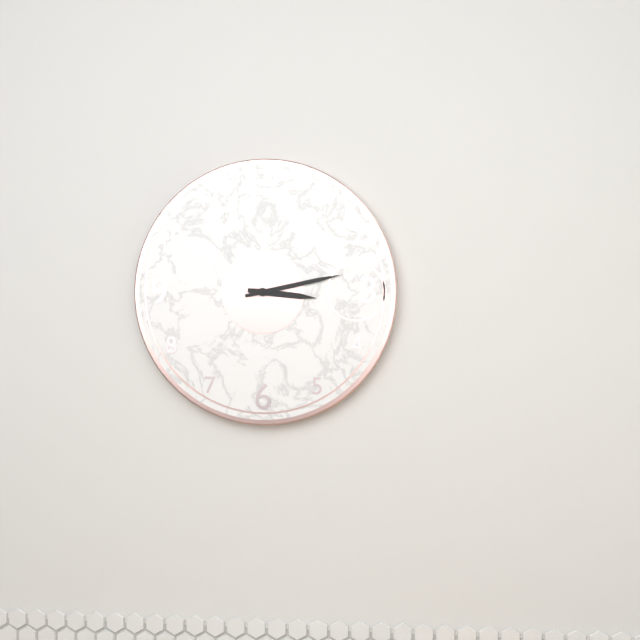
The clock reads 3.13
